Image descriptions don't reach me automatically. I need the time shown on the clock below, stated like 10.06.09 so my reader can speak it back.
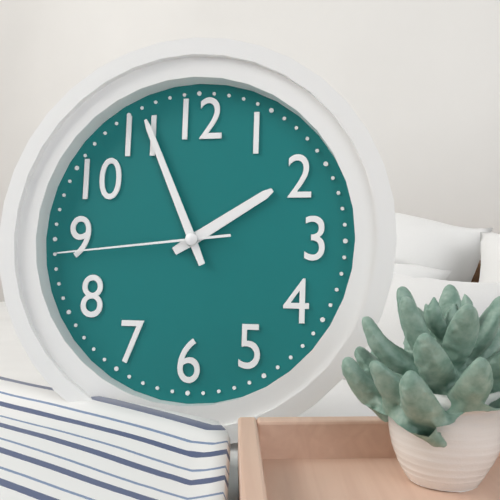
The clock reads 1.56.44
